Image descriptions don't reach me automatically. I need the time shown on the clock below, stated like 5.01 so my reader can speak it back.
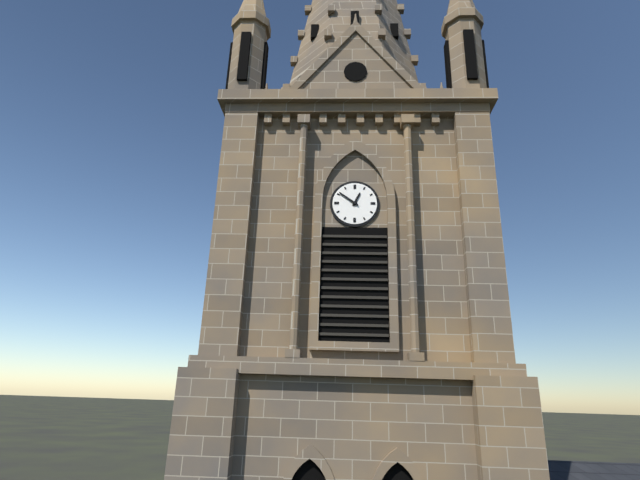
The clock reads 12.51
